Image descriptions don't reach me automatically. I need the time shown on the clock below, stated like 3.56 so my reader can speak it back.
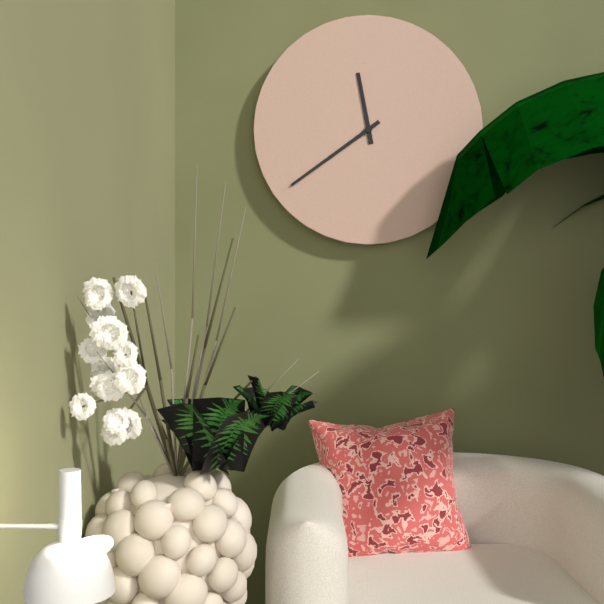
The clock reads 11.39
